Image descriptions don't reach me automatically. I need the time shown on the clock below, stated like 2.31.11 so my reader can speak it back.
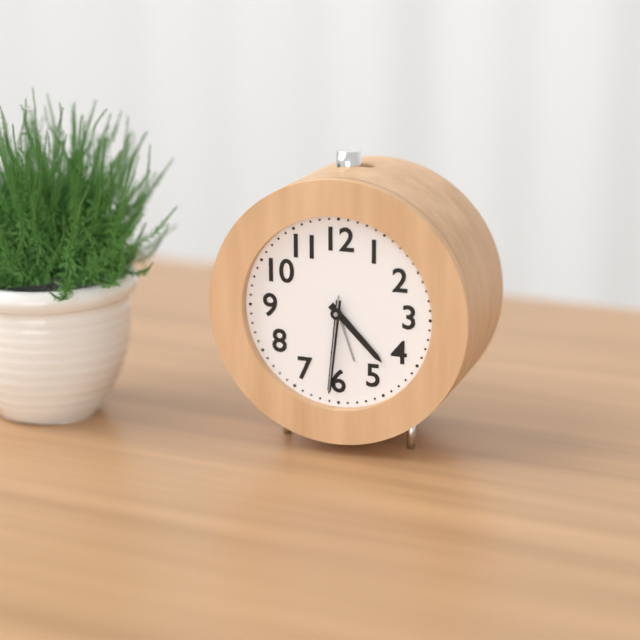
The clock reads 4.31.31
